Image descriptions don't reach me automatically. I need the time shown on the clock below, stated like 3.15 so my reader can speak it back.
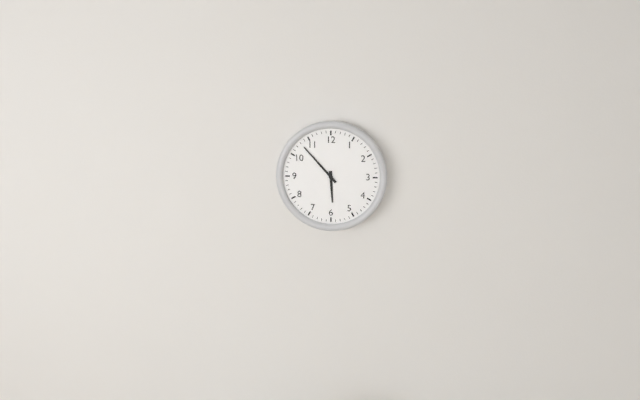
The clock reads 5.53
